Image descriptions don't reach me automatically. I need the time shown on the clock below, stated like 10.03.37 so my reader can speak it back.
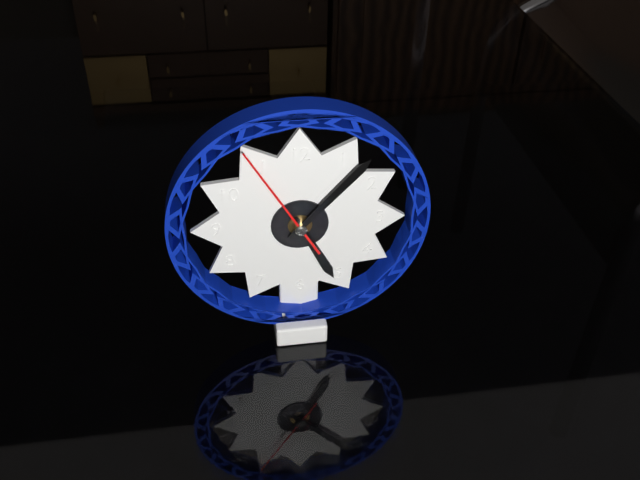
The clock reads 5.07.55
